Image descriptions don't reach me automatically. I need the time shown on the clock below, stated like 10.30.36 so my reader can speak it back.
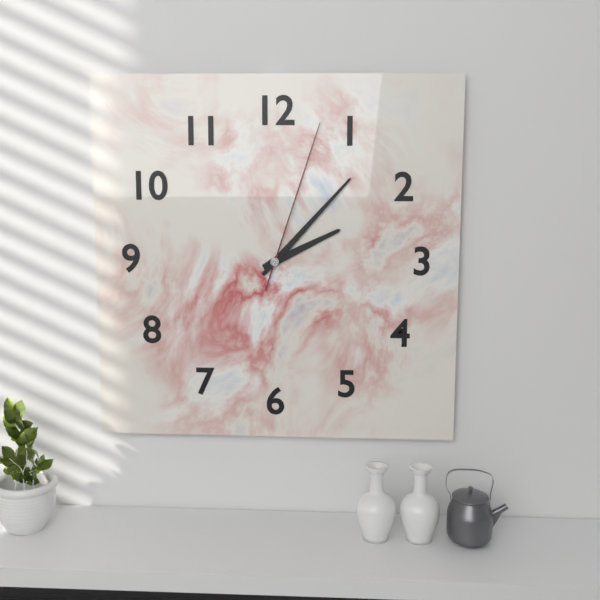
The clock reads 2.07.03
